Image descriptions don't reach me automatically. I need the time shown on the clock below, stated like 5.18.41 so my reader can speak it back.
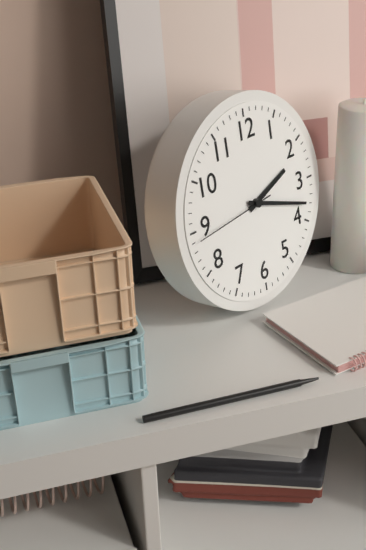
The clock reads 2.18.44
